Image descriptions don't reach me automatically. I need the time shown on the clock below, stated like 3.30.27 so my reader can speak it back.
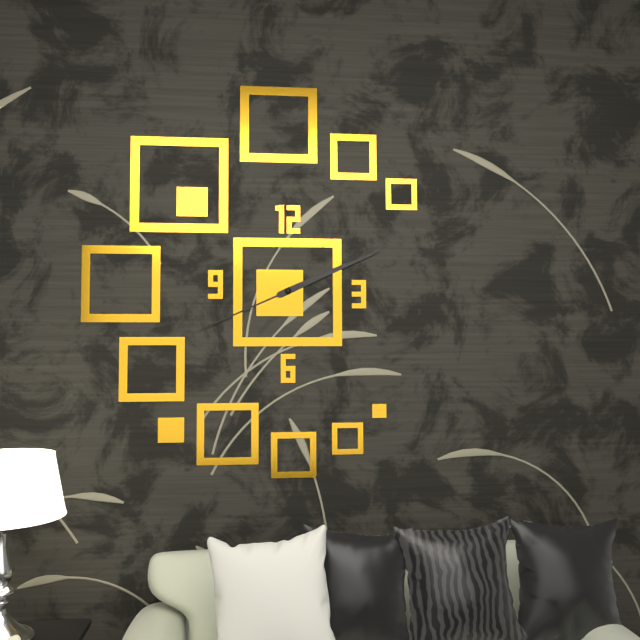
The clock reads 2.11.41
